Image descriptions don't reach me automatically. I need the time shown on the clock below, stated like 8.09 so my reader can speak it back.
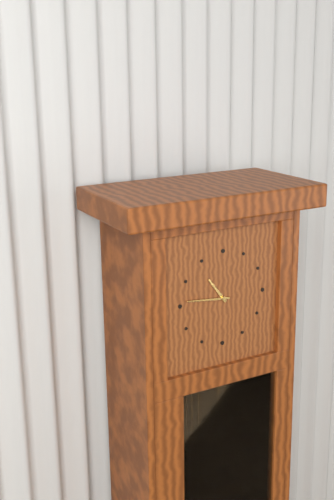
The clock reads 10.46
